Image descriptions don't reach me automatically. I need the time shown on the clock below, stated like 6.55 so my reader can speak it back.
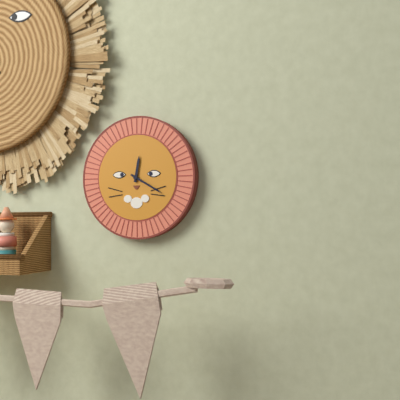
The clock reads 12.20
